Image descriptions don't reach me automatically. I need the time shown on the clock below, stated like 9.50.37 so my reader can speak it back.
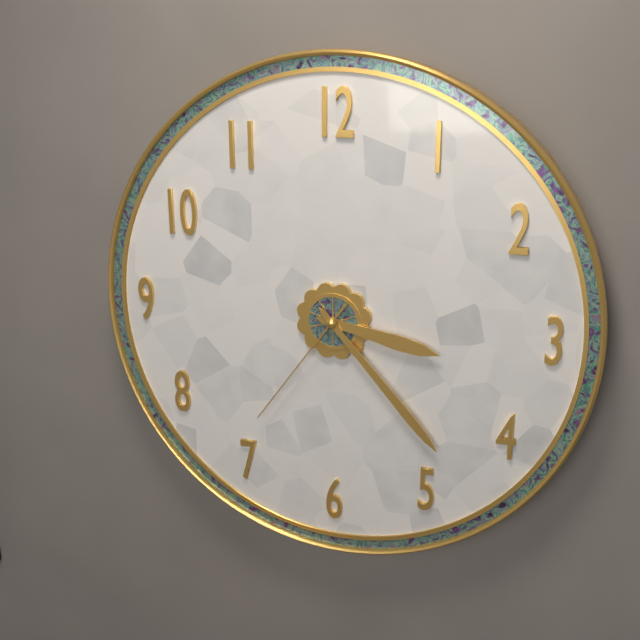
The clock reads 3.23.36
